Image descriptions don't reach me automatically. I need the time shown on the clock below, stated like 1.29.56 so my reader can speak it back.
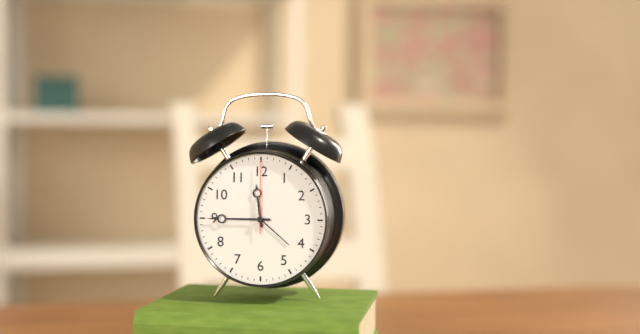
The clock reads 11.45.00
